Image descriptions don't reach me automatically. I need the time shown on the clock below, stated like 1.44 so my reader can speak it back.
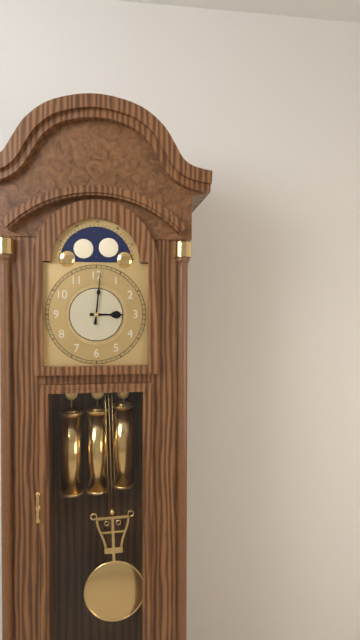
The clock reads 3.01
